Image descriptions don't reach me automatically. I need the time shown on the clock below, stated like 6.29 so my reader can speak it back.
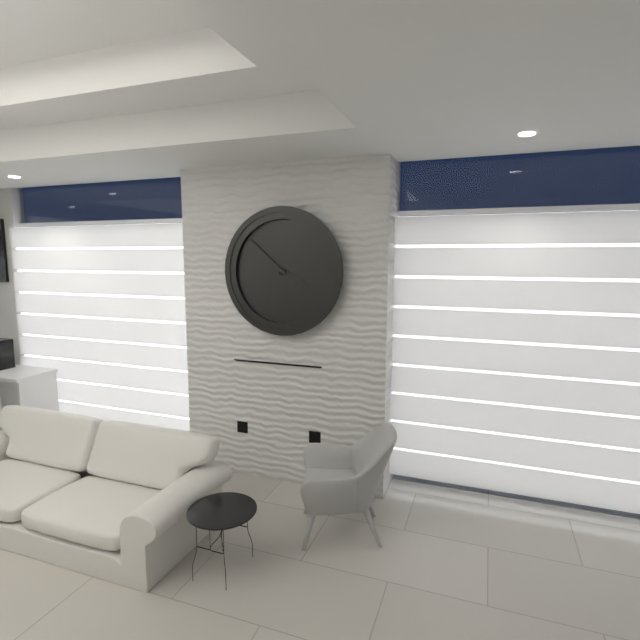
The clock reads 3.52
